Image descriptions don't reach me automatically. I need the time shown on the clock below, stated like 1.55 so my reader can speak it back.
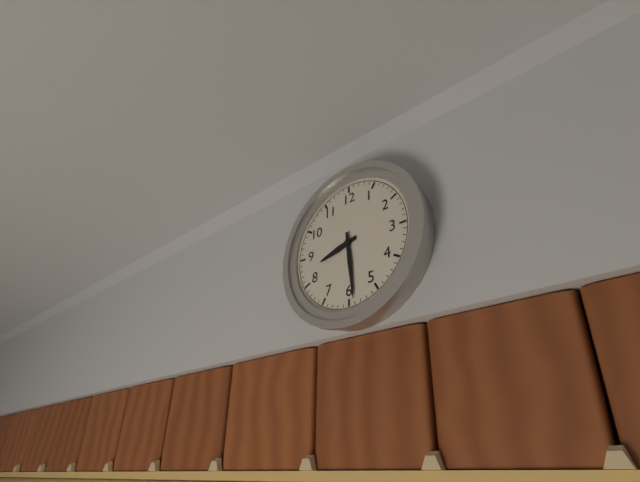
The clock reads 8.29
